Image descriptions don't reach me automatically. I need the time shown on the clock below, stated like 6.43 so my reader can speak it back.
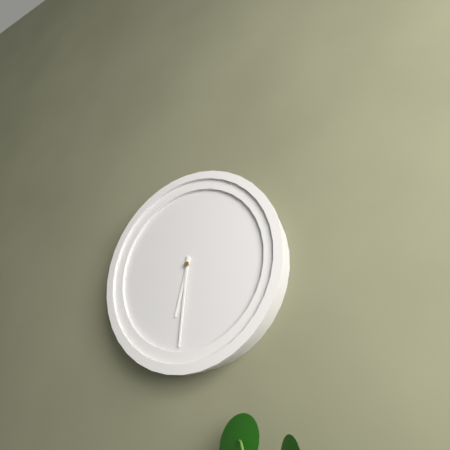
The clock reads 6.31
